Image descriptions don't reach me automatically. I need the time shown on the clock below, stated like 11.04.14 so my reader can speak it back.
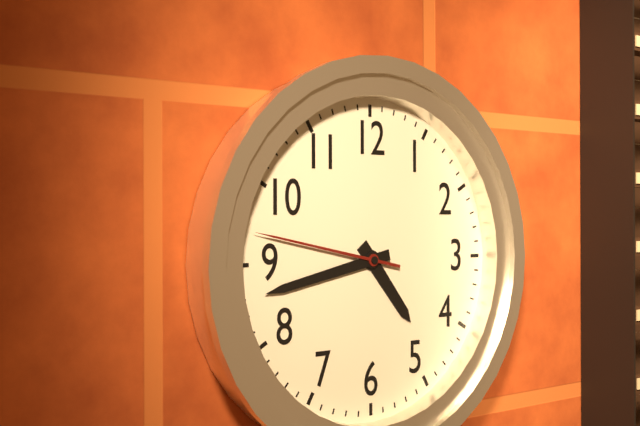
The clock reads 4.43.47
